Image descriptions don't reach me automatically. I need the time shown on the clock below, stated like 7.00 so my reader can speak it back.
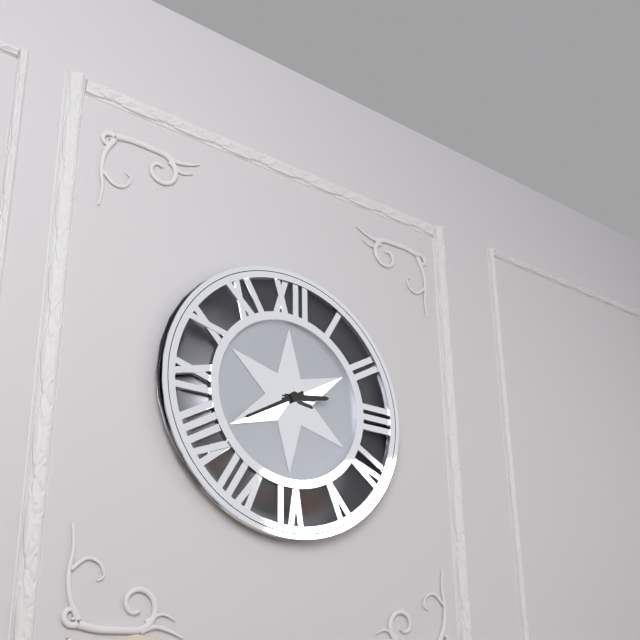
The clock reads 2.40
